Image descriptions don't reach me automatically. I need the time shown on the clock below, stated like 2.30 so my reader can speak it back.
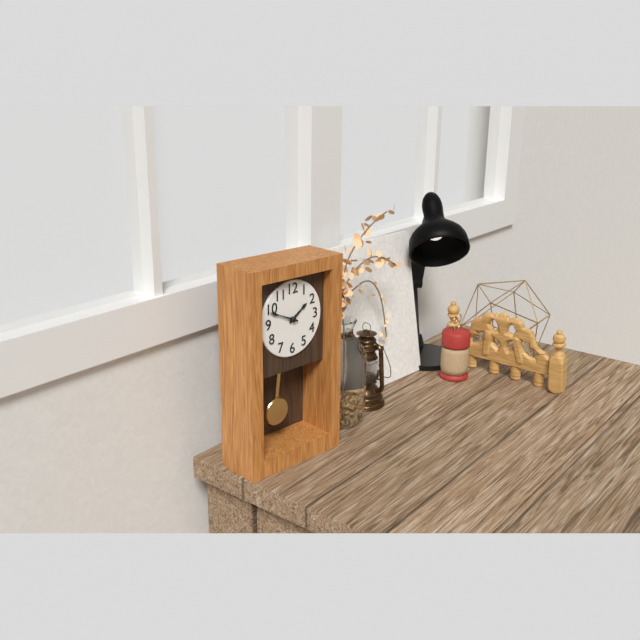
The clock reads 1.49
